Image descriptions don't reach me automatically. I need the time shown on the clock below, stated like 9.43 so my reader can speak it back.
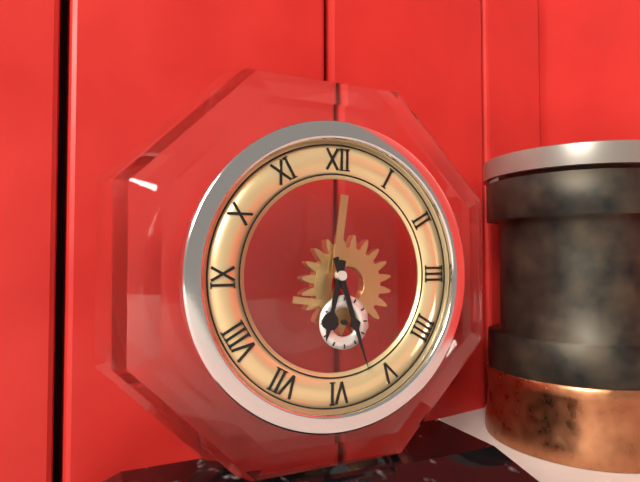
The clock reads 6.27
